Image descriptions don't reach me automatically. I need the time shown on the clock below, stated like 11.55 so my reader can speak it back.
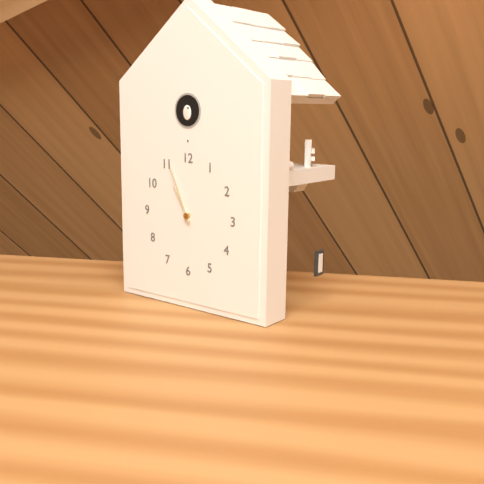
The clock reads 10.56
